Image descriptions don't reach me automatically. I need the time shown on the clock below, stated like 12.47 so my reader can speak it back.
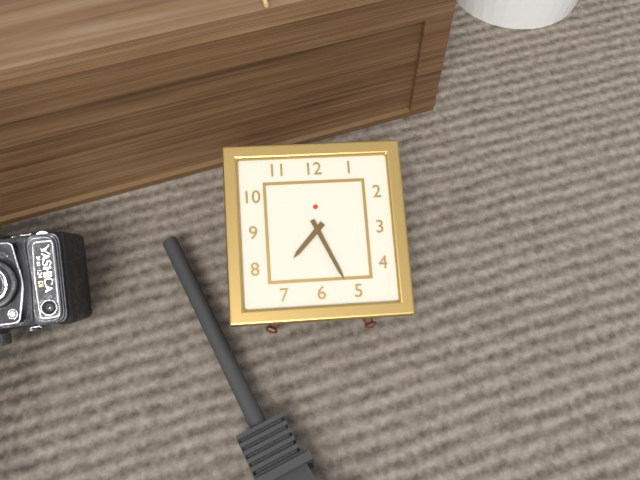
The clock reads 7.26
